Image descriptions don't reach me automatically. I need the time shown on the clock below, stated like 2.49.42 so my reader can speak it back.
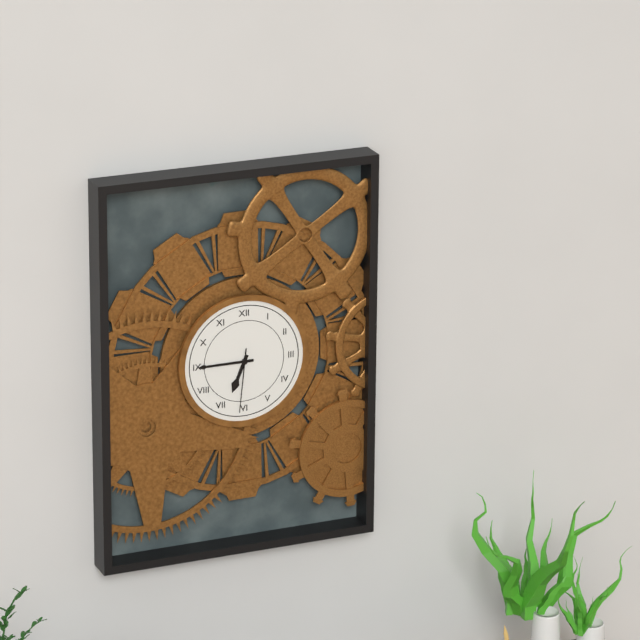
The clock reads 6.45.31
